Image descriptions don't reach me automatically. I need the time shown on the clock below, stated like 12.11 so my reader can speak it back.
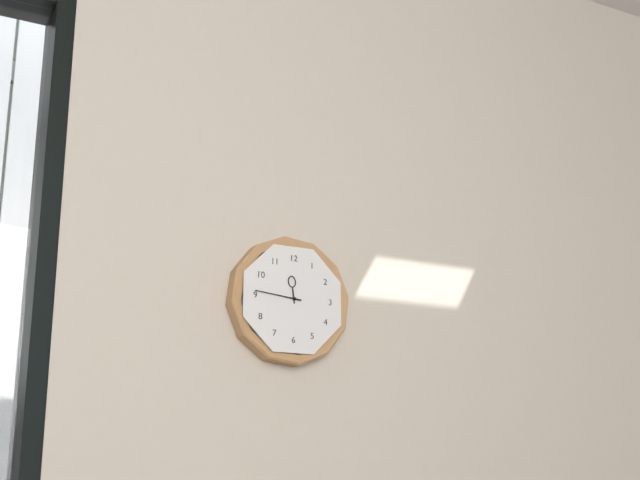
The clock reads 11.46
